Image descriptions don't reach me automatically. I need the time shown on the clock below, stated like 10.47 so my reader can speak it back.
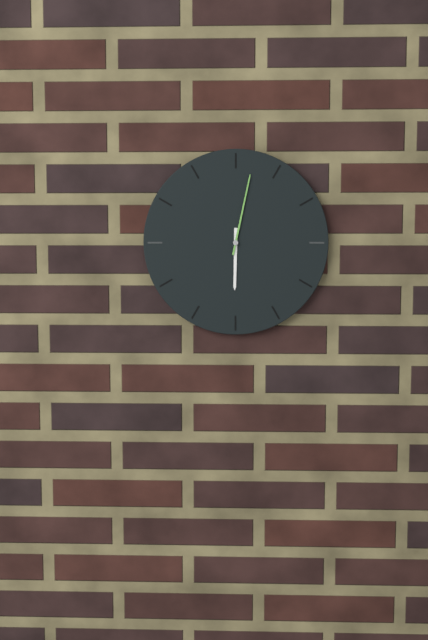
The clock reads 6.02
